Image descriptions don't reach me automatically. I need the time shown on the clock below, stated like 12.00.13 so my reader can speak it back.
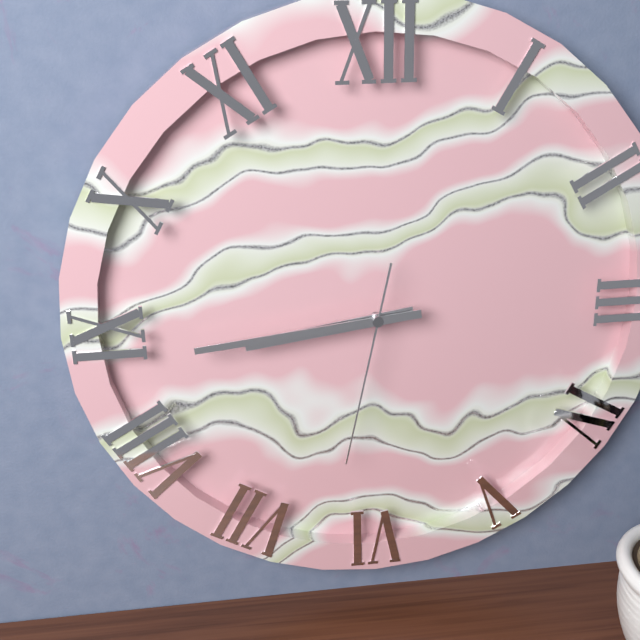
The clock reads 8.44.32
